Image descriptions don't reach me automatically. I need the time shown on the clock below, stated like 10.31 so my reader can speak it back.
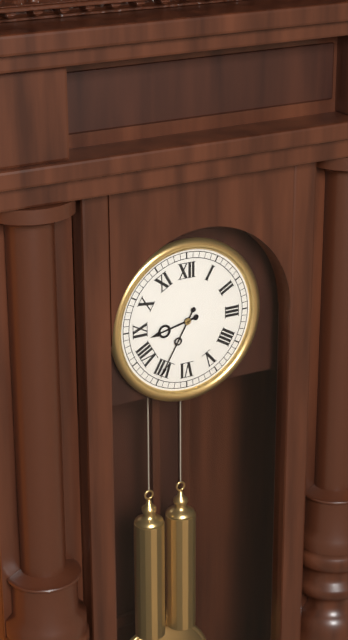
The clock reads 8.35
